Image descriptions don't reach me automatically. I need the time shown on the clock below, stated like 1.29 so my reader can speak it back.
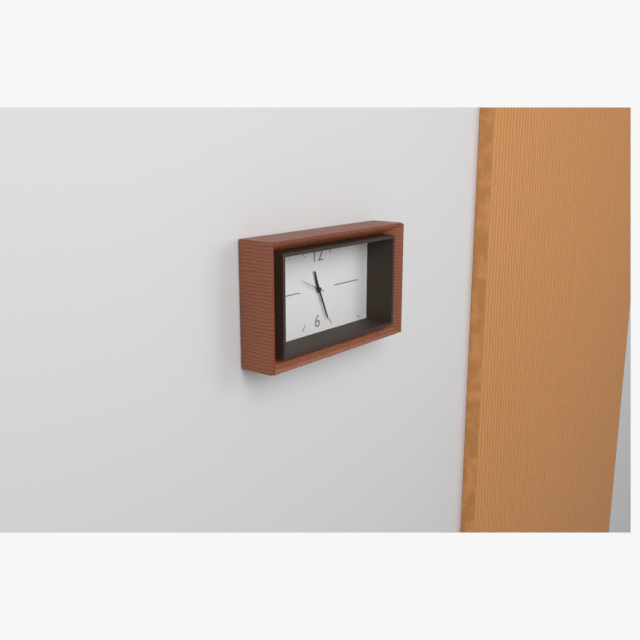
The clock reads 11.26
